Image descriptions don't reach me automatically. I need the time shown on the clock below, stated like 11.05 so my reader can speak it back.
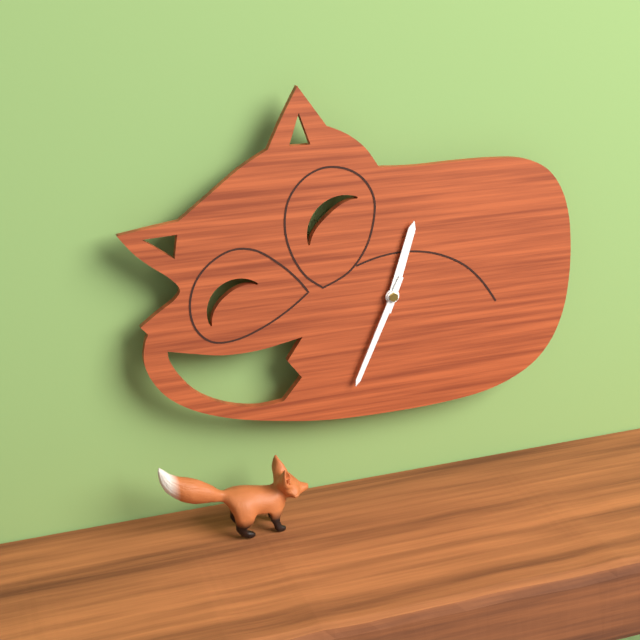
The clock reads 12.34
